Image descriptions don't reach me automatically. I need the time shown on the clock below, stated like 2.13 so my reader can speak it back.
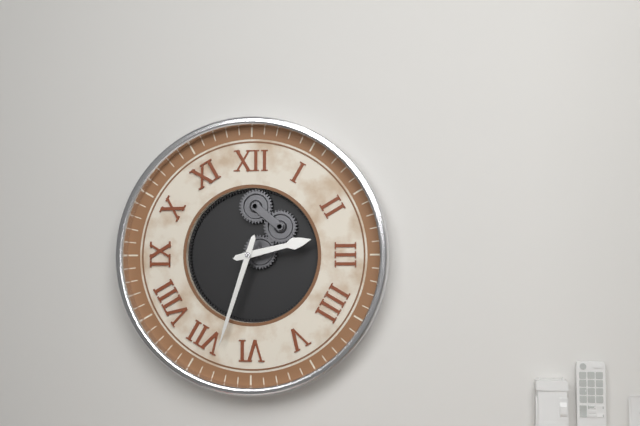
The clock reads 2.33
